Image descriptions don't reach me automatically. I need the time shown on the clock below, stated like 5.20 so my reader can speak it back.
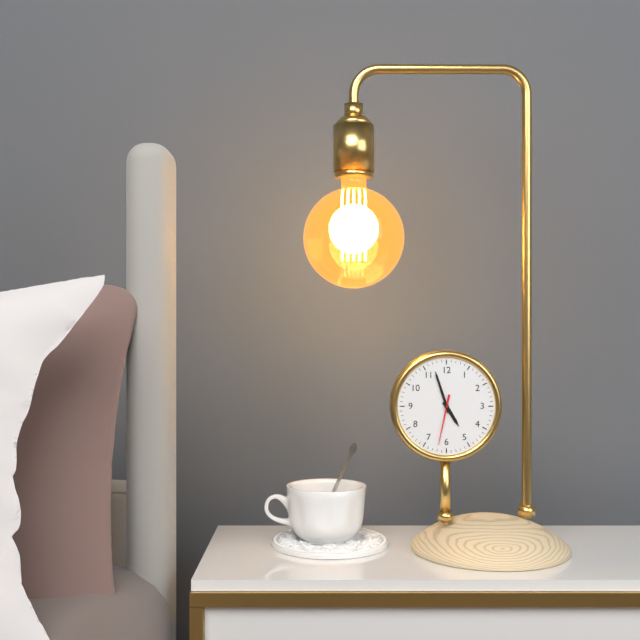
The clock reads 4.57
